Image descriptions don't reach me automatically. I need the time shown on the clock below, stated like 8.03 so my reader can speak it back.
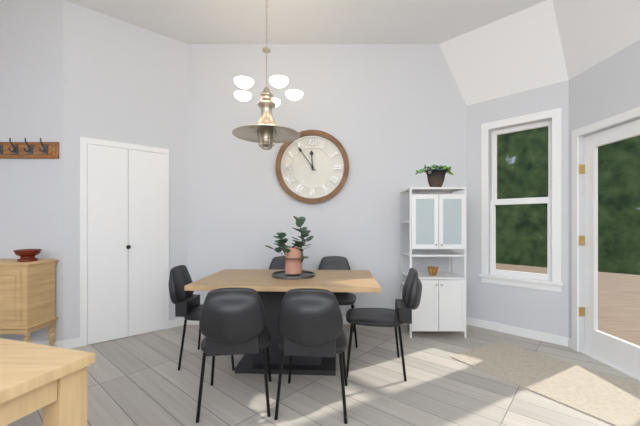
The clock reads 11.54
